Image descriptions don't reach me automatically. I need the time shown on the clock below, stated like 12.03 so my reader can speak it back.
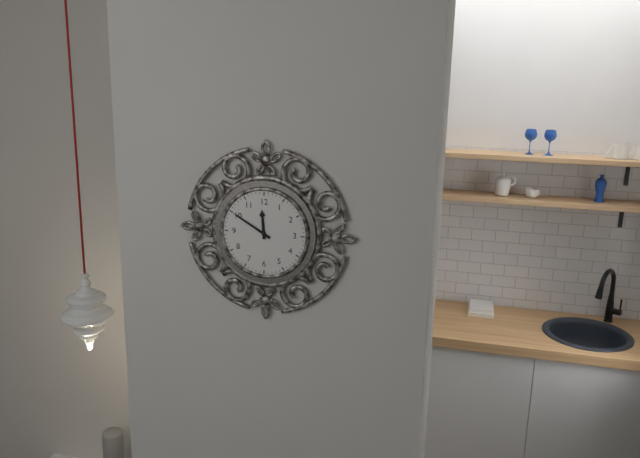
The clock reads 11.50
